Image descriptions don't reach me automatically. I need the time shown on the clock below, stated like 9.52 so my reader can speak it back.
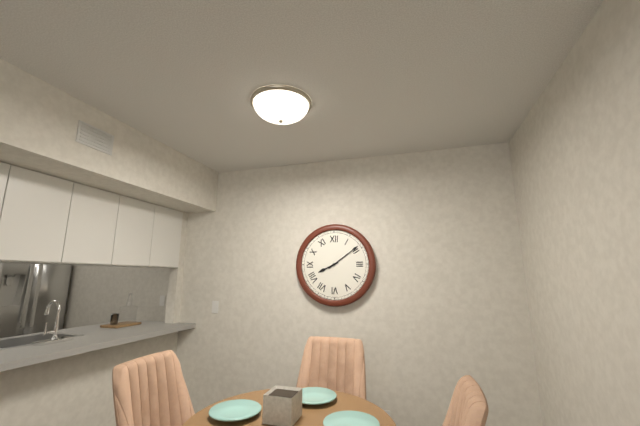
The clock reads 8.09
